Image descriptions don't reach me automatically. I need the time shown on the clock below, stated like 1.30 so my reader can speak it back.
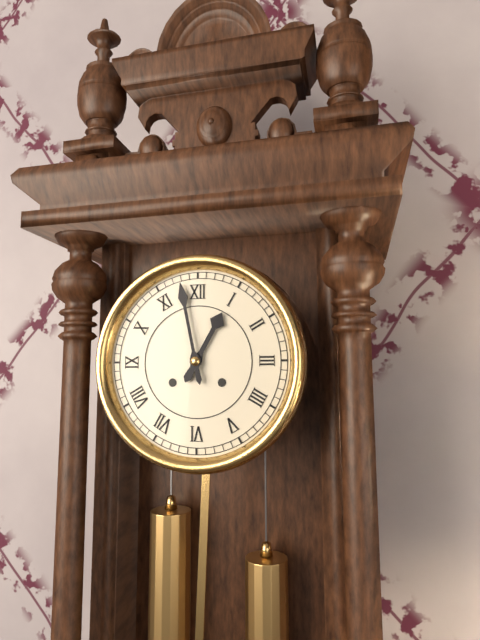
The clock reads 12.58
